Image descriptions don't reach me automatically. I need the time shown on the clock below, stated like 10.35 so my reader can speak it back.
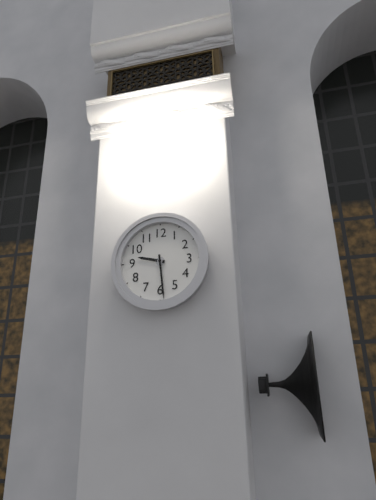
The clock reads 9.29
